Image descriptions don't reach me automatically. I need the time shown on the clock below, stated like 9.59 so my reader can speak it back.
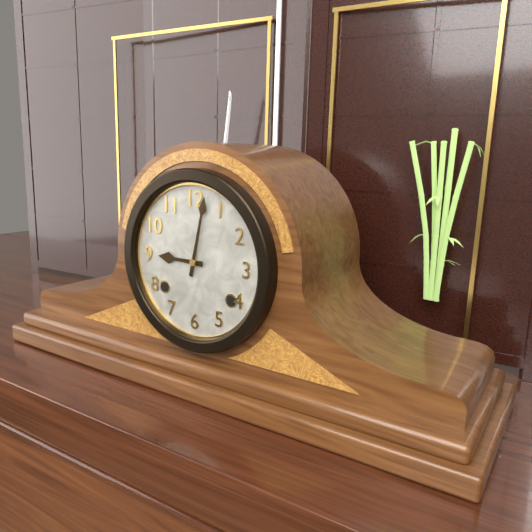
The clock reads 9.02
